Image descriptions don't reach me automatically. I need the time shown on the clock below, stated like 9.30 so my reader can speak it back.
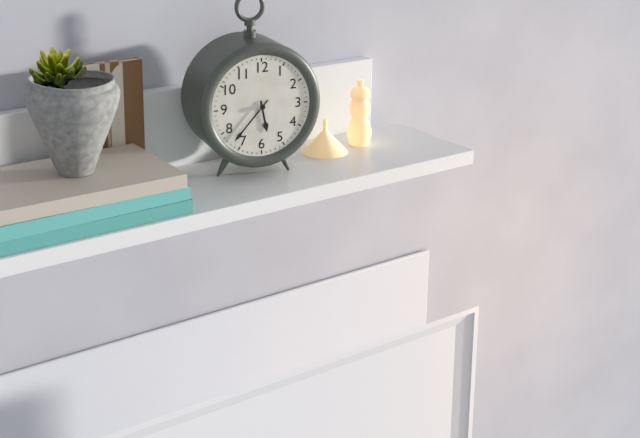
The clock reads 5.37
